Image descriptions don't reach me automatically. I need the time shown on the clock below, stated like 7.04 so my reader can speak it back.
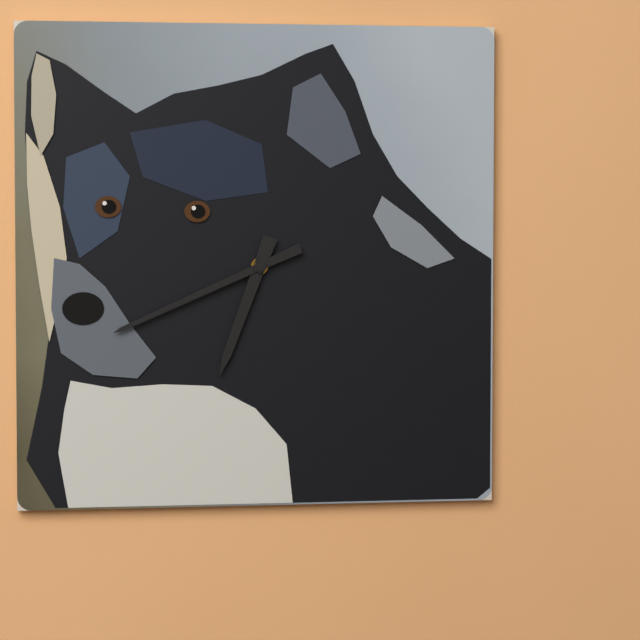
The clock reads 6.41
